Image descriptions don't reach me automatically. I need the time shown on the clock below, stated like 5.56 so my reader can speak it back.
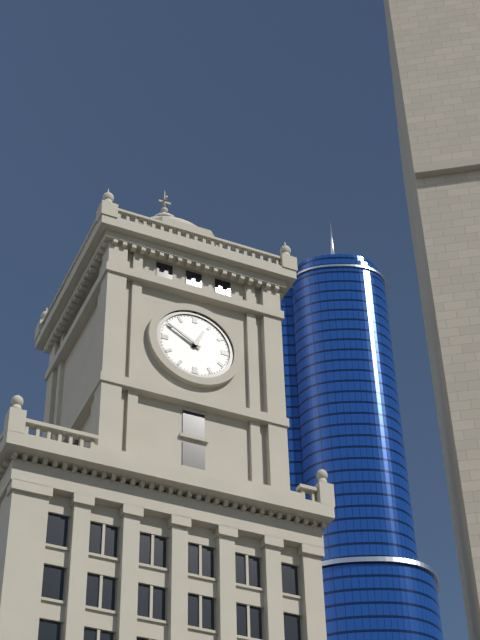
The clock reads 12.50
